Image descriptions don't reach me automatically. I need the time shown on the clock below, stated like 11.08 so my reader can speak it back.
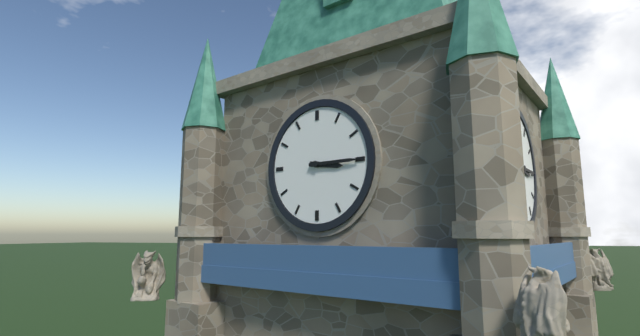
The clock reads 3.15
